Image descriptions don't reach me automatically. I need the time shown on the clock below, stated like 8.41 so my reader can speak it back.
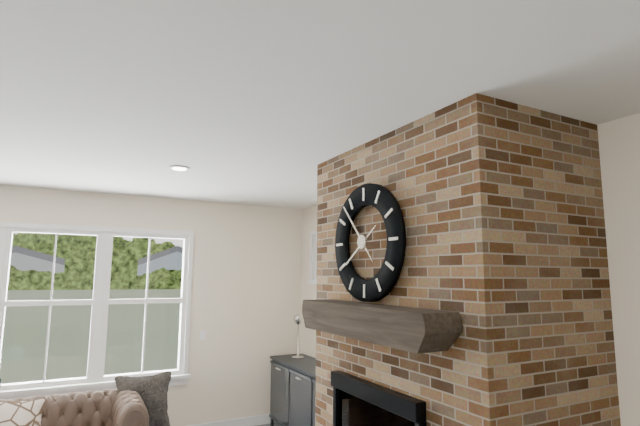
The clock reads 7.53
